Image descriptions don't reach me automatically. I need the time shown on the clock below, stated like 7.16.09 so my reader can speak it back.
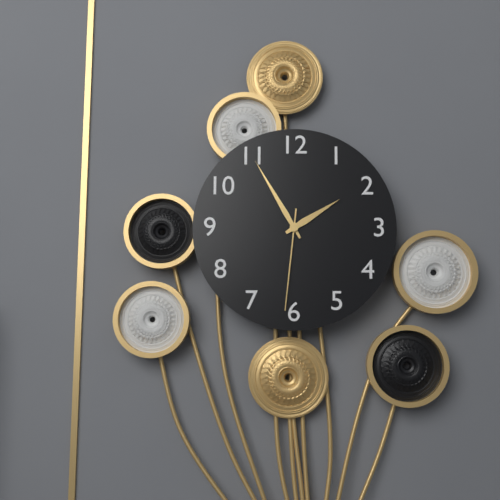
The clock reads 1.55.31
